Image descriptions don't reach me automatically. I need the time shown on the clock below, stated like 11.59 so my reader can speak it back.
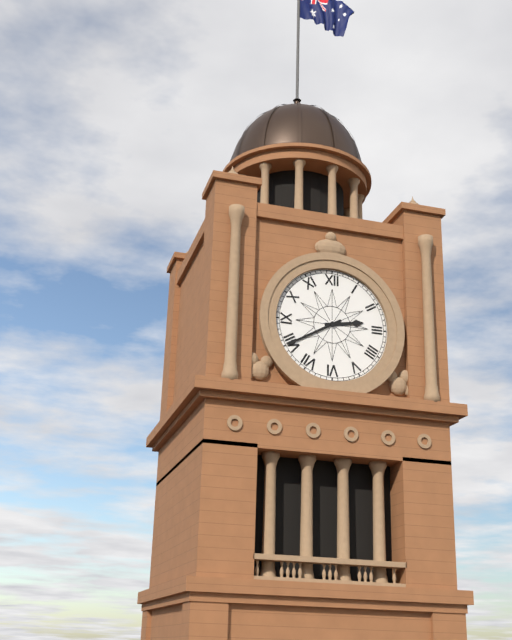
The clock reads 2.40
